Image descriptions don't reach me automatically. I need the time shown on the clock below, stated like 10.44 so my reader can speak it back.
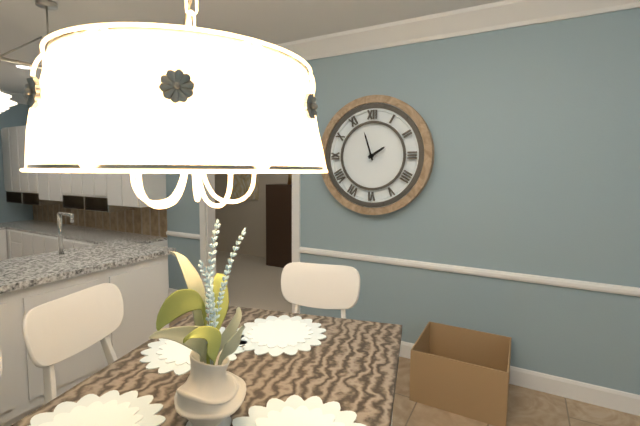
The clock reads 1.57
